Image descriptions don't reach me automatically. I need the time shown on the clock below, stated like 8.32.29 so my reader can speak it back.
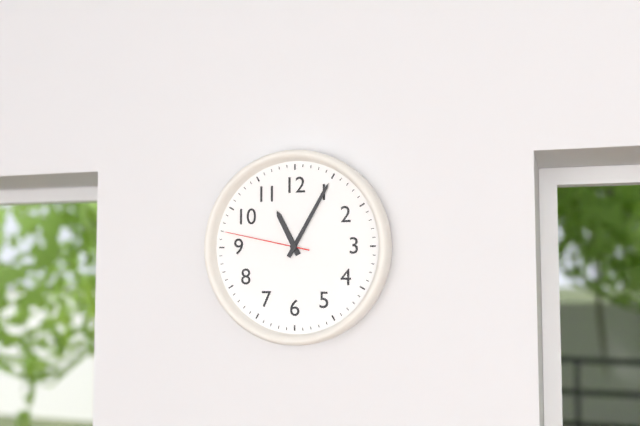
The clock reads 11.05.47
